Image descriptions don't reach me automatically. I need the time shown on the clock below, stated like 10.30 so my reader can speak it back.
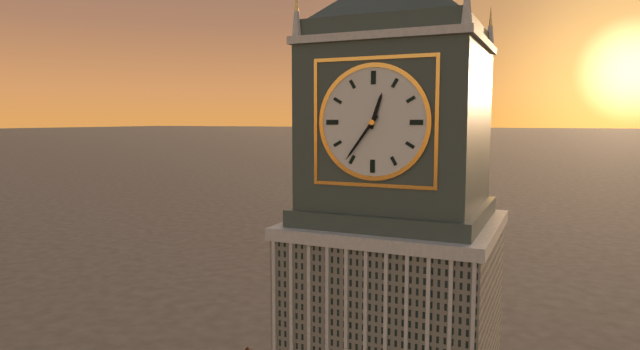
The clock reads 12.36
